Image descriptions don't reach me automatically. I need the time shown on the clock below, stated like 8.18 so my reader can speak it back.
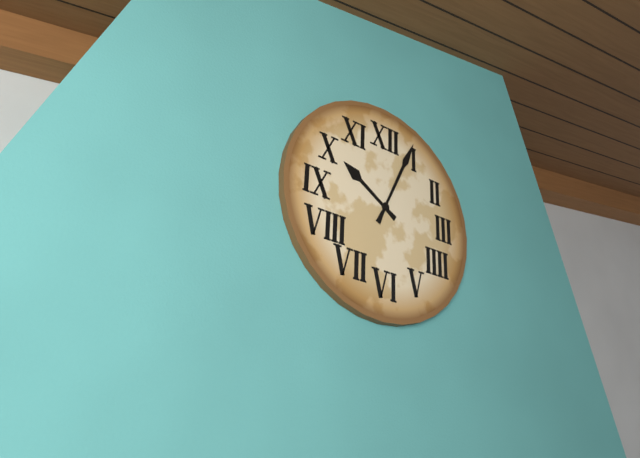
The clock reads 10.04
